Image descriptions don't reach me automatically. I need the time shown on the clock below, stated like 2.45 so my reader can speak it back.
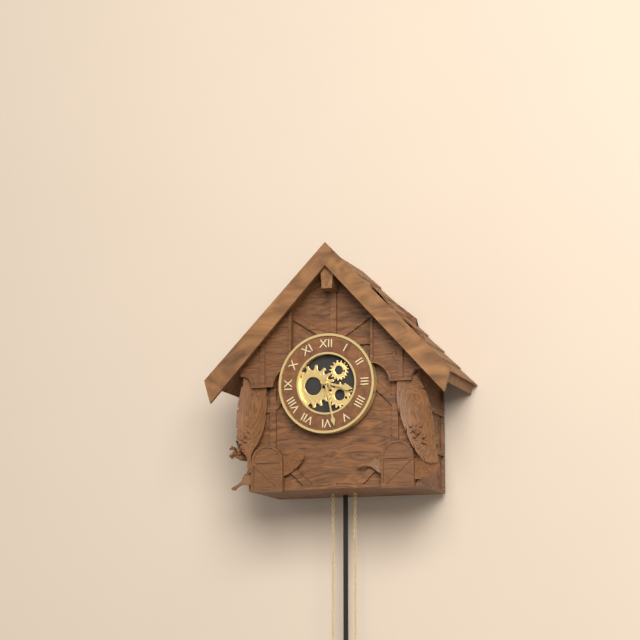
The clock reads 3.28
